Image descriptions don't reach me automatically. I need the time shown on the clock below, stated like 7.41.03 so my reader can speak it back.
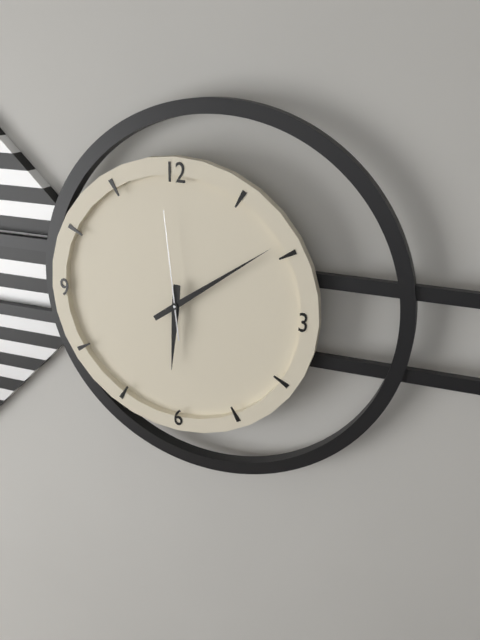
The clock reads 6.09.59
